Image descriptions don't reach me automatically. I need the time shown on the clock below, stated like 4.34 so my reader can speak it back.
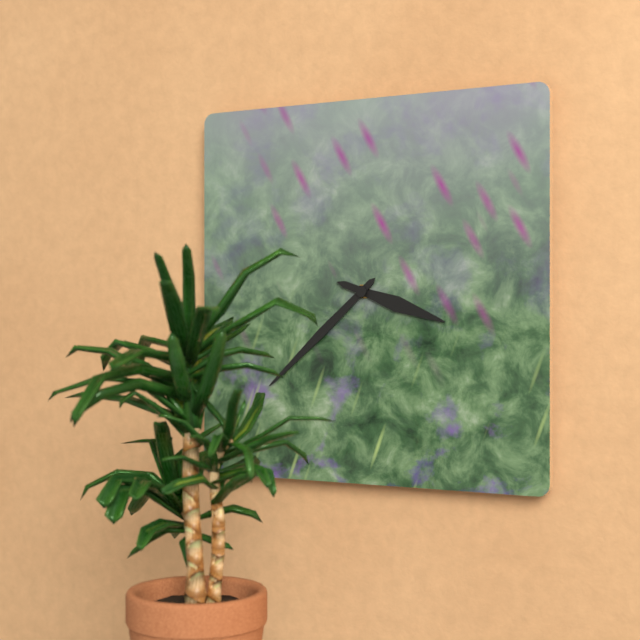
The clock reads 3.38
